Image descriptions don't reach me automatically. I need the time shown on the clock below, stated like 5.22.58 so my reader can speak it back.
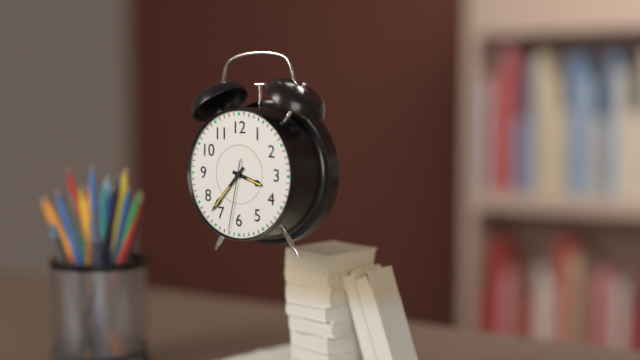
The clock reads 3.37.32
